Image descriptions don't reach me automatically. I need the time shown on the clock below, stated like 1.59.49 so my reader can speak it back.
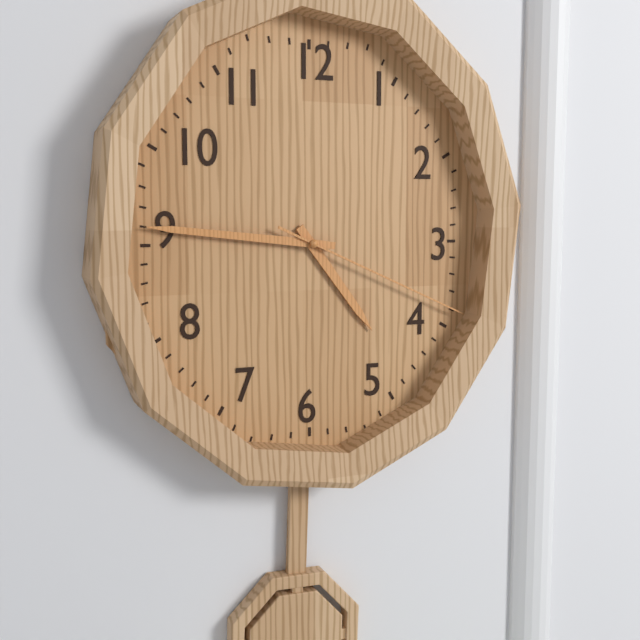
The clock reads 4.46.19
